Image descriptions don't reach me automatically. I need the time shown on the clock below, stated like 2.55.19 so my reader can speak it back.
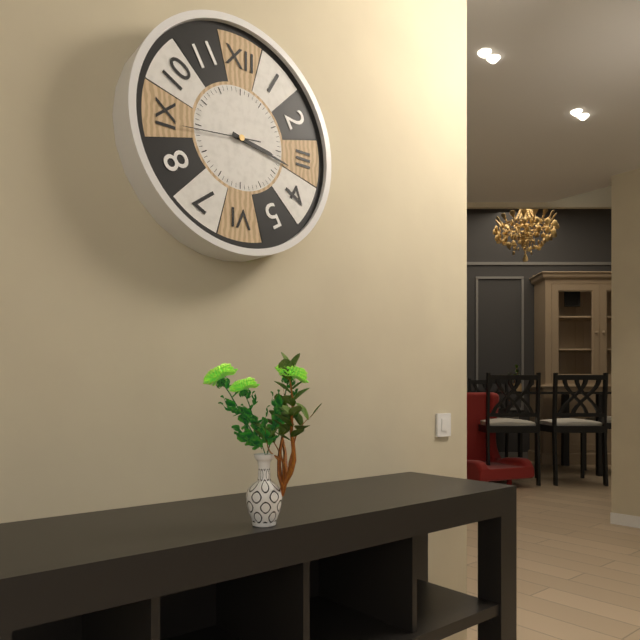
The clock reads 3.17.44
